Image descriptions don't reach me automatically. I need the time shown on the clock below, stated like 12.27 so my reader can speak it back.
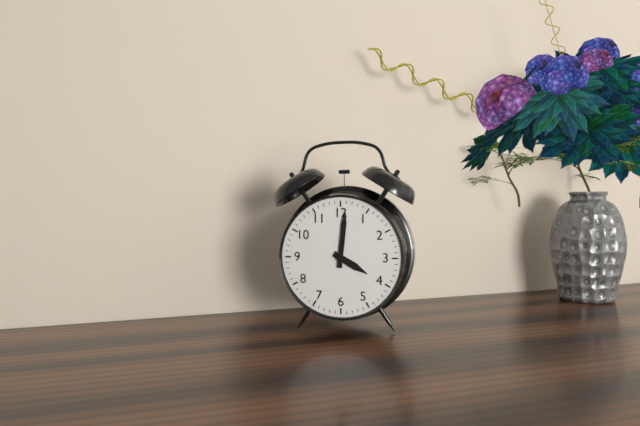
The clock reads 4.01
